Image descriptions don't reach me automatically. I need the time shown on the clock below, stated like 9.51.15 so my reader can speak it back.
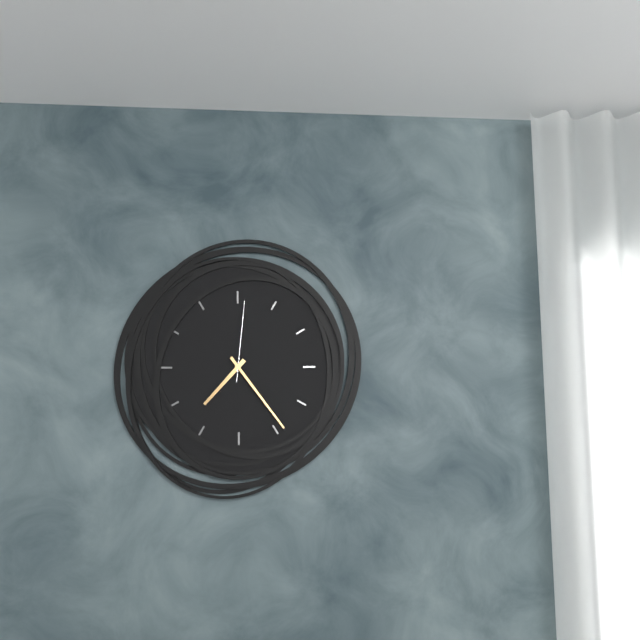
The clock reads 7.24.01
